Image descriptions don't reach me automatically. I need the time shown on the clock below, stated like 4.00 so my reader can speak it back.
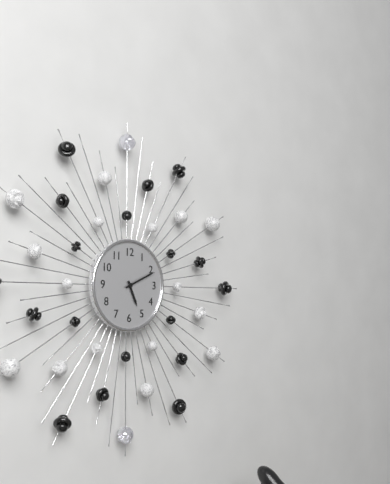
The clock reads 5.11
